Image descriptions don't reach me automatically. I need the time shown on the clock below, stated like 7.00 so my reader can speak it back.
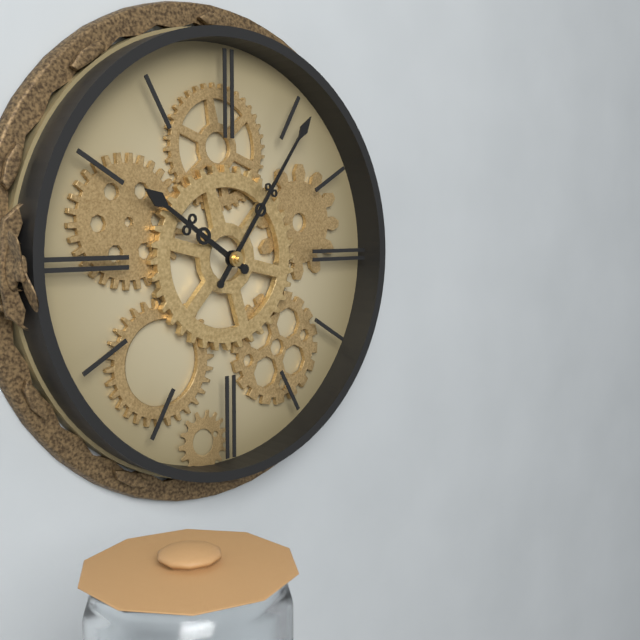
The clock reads 10.06
